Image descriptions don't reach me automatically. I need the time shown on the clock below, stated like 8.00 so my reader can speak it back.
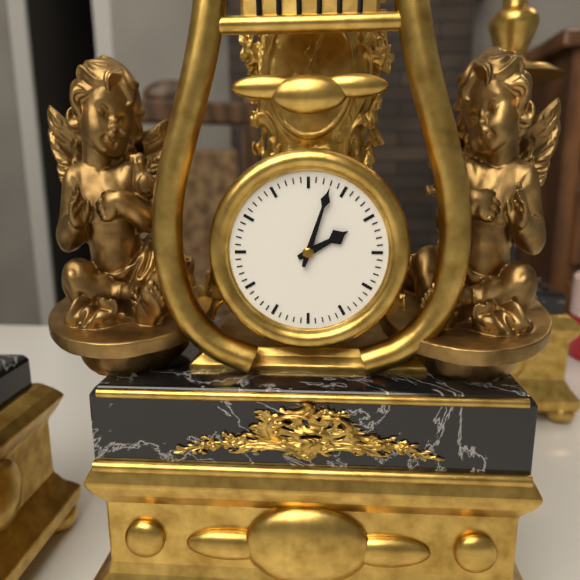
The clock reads 2.03
